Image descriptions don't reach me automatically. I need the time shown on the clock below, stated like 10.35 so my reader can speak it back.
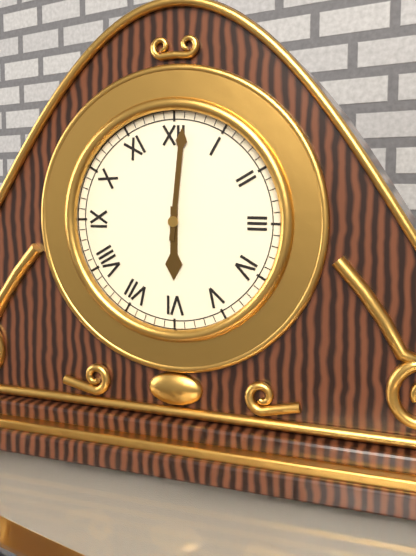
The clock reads 6.01
